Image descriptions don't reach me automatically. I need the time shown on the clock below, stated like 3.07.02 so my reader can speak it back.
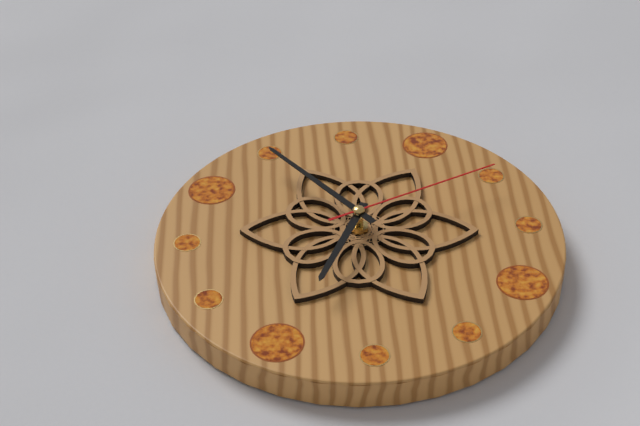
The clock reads 5.49.06
